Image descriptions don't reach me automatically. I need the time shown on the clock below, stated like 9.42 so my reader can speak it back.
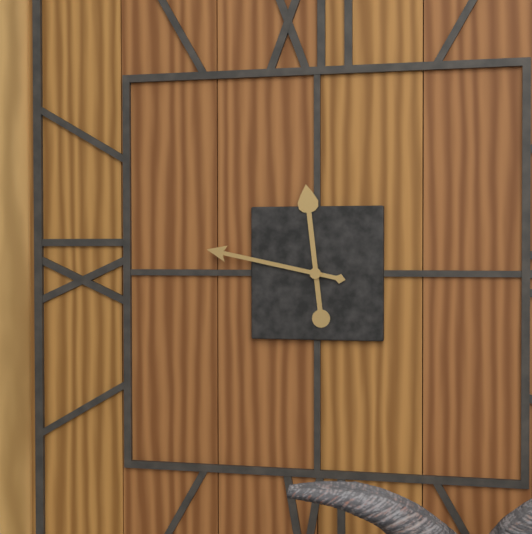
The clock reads 11.47
